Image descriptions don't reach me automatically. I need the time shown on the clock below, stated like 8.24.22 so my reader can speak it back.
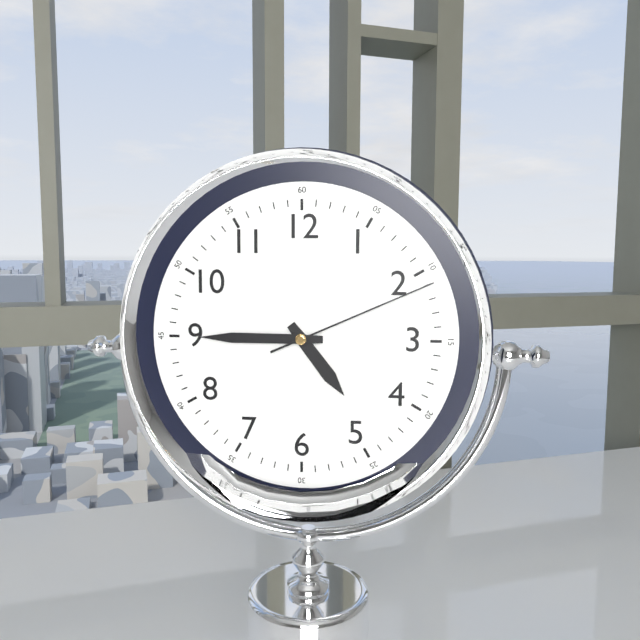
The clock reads 4.45.11
